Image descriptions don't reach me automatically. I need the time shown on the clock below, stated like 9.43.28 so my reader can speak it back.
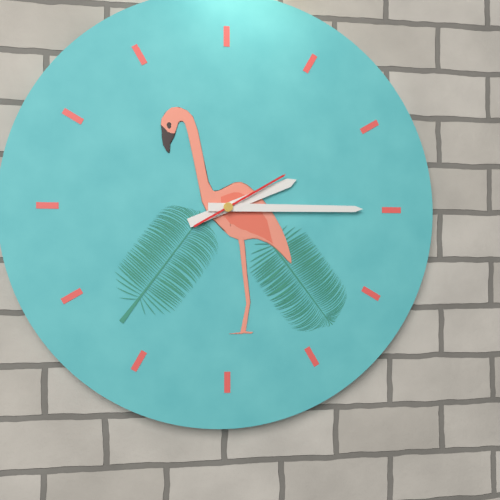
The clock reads 2.15.10
